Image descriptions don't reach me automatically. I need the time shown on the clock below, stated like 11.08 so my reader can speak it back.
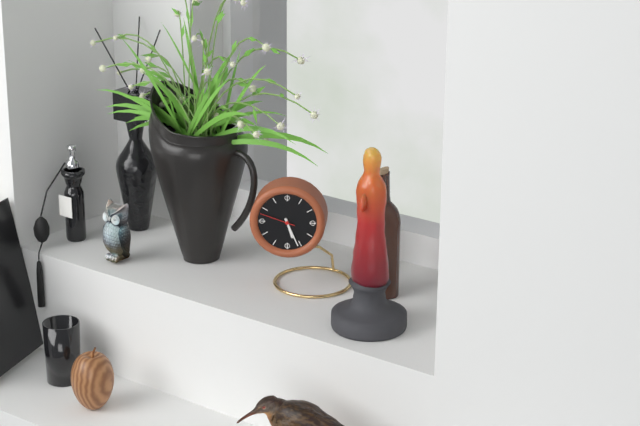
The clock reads 5.26
